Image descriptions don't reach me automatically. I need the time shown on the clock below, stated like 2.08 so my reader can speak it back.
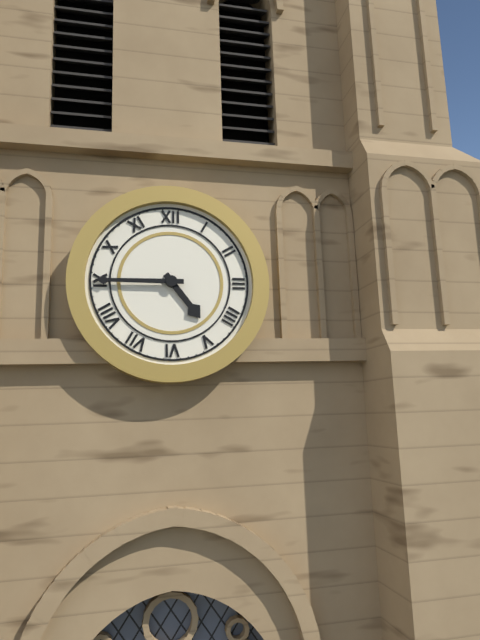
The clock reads 4.45
